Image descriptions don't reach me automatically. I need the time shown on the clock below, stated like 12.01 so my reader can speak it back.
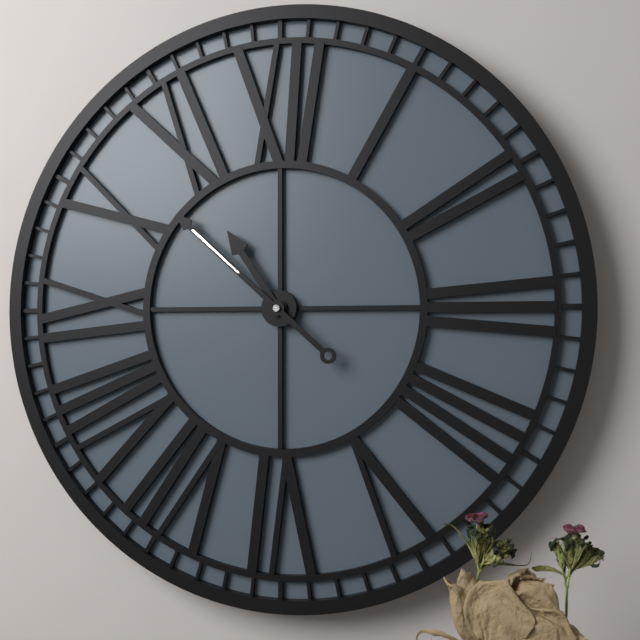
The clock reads 10.52
